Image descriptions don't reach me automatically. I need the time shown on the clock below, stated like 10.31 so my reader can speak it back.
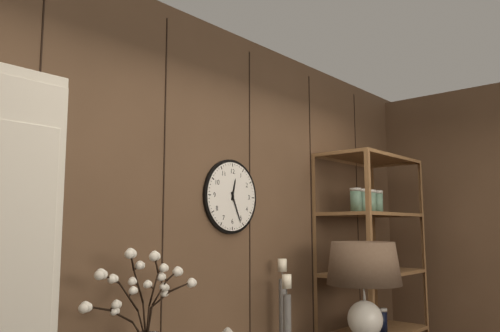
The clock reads 12.26
